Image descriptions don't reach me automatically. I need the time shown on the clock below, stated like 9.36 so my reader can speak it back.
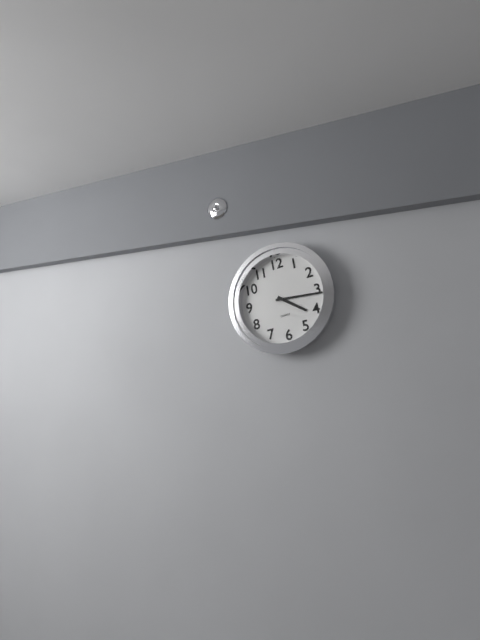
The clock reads 4.16
